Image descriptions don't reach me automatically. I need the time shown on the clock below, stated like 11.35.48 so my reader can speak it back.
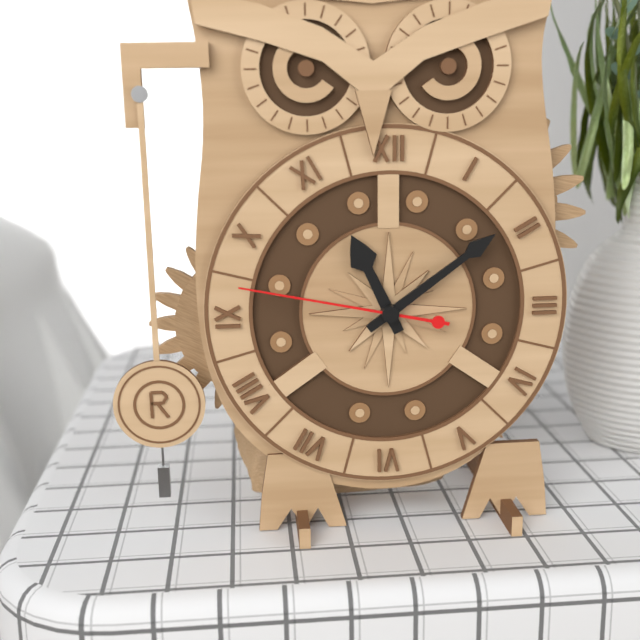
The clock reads 11.09.47
